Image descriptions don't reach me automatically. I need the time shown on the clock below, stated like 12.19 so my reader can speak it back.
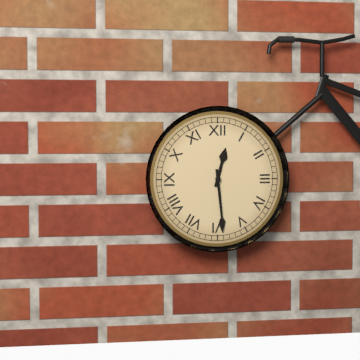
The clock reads 12.29
